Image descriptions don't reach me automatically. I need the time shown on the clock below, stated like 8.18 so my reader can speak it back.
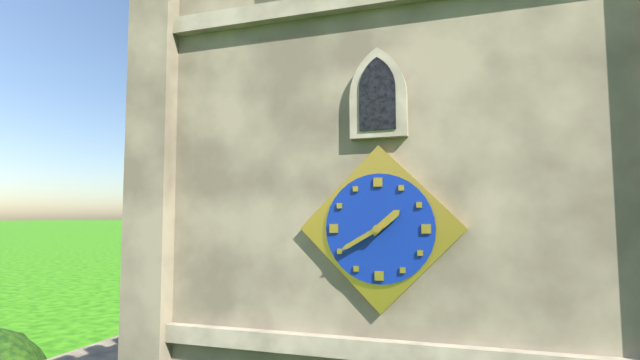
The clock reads 1.40
